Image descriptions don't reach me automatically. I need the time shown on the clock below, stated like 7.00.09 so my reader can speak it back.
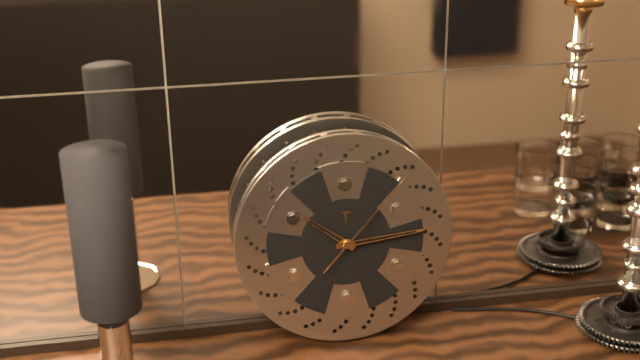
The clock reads 10.14.07
